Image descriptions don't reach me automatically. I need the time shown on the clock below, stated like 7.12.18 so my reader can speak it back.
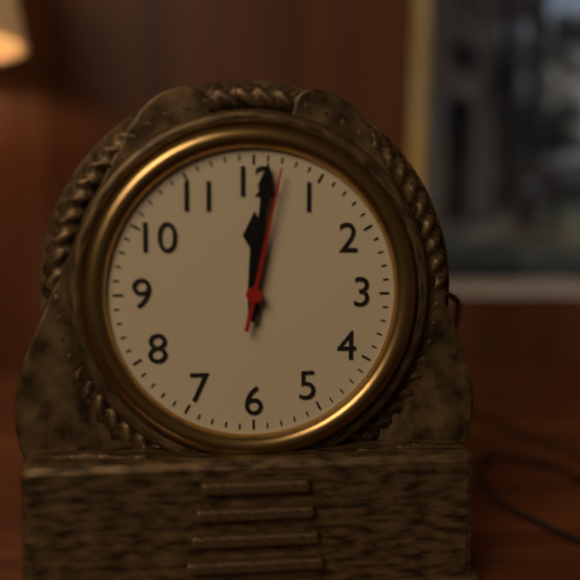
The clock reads 12.01.02
